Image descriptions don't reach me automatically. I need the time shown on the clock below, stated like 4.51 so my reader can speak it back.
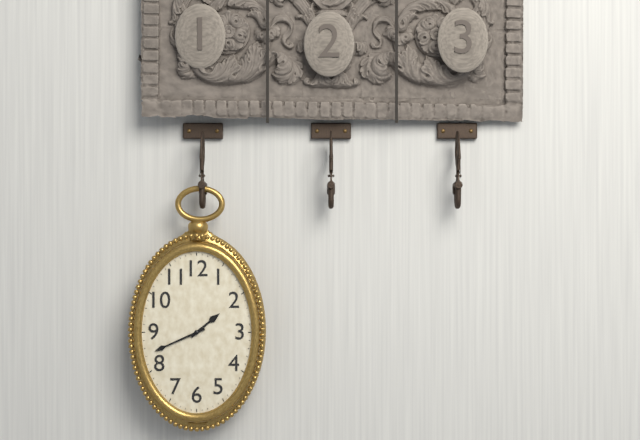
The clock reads 1.41
